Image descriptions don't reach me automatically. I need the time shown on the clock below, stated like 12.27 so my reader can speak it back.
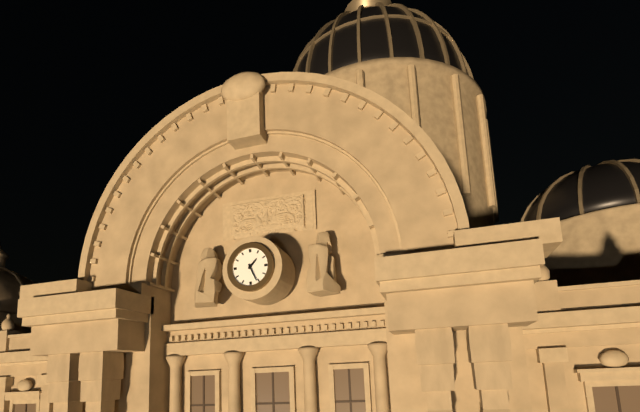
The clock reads 1.26
